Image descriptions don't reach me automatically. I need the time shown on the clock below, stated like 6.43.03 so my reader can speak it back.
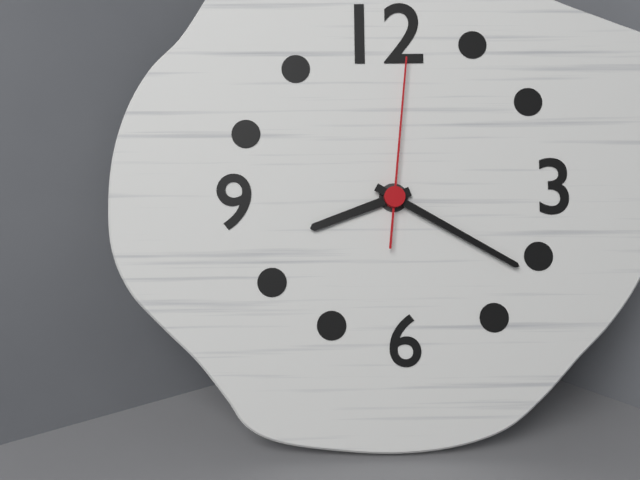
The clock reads 8.20.01
